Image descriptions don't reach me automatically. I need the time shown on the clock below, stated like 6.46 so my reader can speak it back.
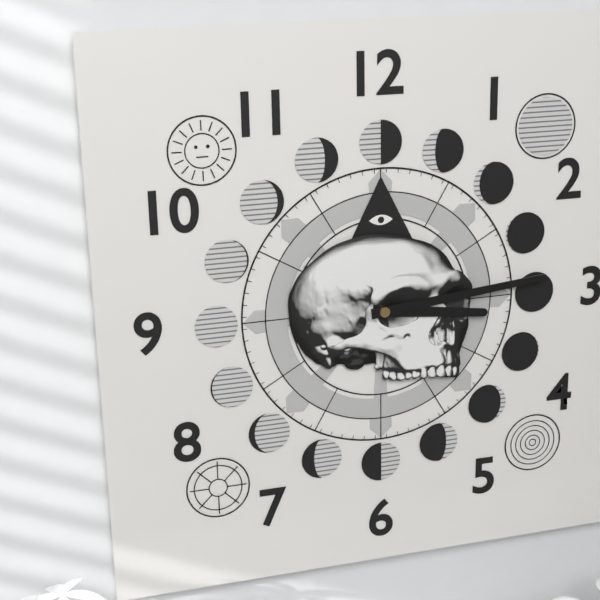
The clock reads 3.14
